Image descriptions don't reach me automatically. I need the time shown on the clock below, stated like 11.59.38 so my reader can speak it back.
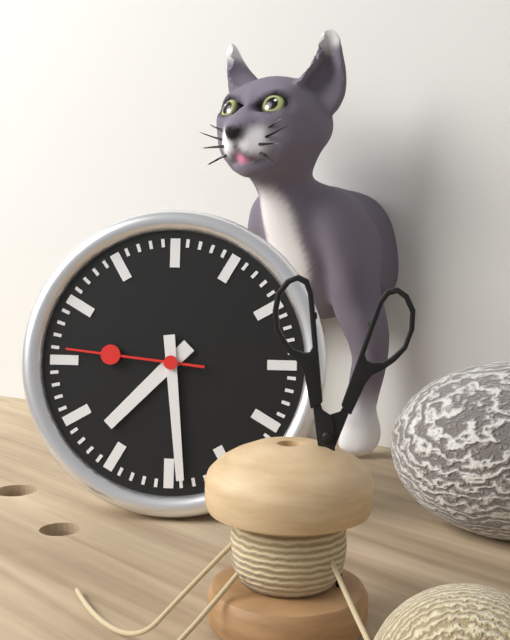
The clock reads 7.29.46
